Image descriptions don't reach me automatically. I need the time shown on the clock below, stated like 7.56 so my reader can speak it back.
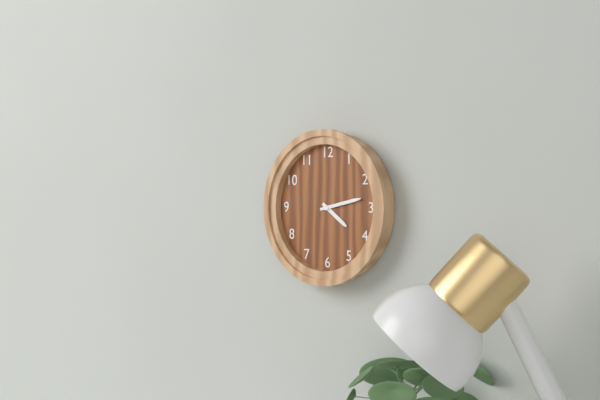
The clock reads 4.13
